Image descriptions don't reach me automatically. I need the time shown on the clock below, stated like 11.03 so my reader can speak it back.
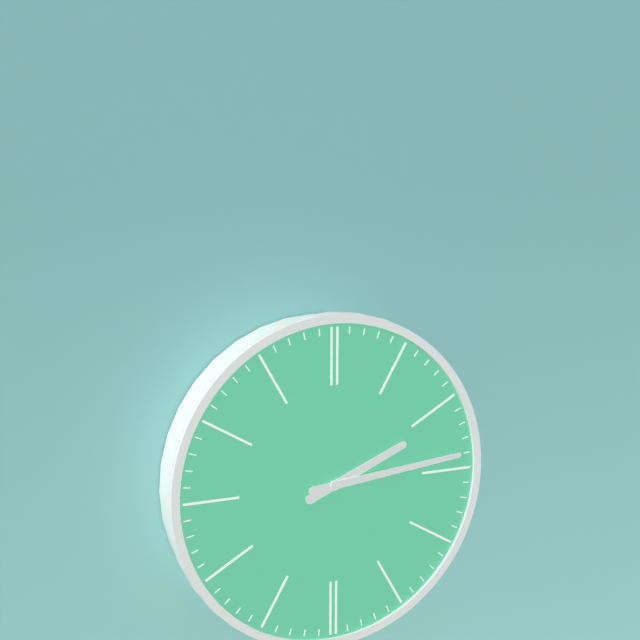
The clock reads 2.14
